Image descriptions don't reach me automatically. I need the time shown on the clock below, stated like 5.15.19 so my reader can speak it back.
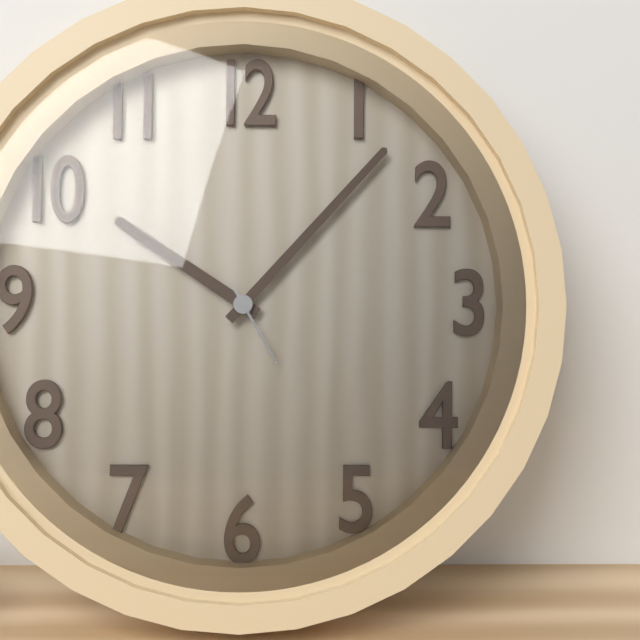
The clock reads 10.07.25
